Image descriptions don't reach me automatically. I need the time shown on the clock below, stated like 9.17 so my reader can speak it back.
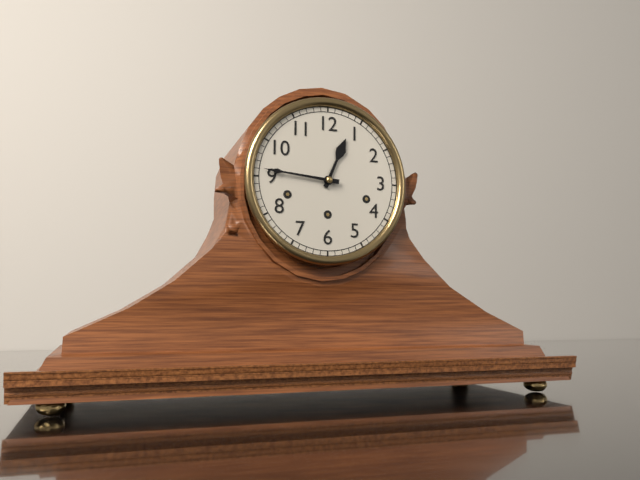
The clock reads 12.46
